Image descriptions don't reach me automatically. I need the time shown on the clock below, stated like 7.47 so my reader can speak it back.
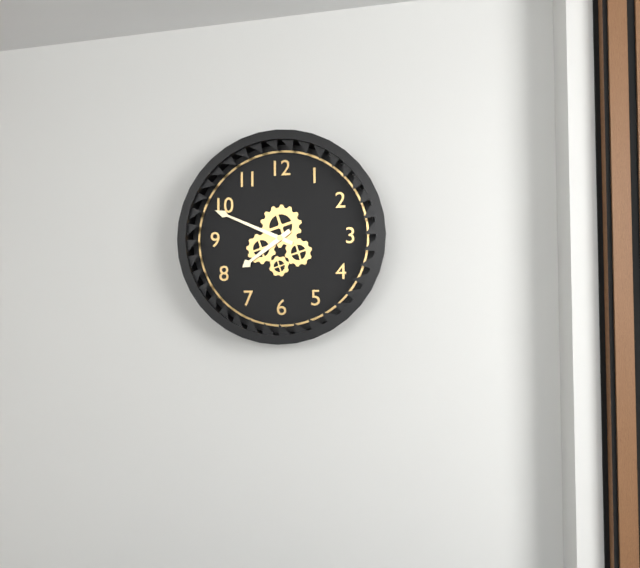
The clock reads 7.49
